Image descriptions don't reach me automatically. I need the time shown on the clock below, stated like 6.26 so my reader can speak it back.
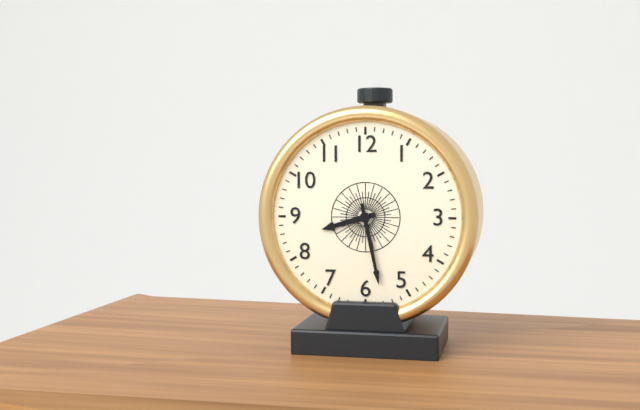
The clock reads 8.28
